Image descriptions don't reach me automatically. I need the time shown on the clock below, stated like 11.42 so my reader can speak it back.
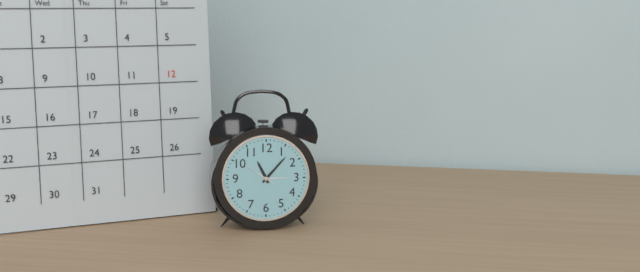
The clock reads 11.07
